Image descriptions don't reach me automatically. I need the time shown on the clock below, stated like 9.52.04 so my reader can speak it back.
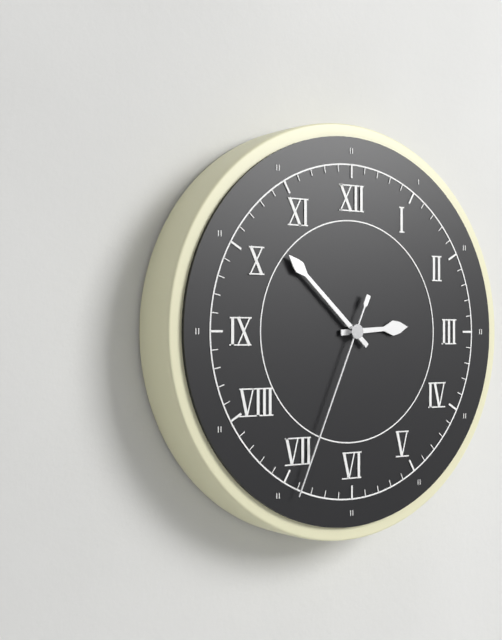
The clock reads 2.52.34
